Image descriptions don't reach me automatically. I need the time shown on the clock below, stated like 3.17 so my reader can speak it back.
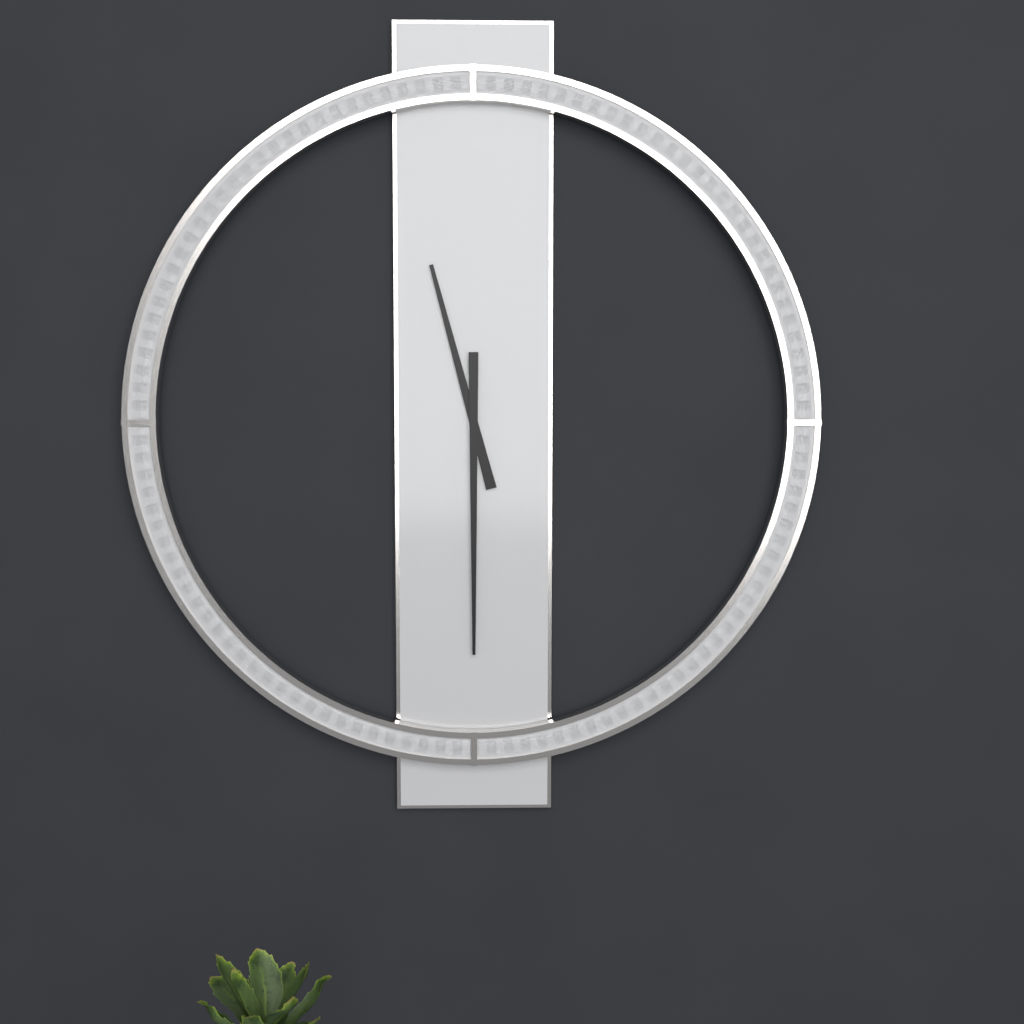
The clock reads 11.30
